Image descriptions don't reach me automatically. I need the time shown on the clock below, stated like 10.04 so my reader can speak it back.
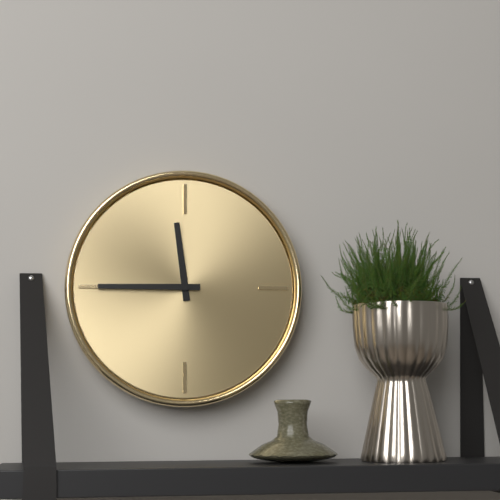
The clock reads 11.45
